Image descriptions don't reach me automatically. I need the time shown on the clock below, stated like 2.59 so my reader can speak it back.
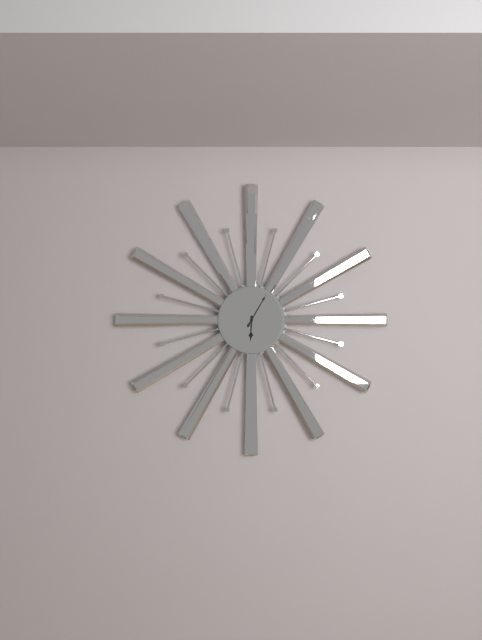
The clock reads 6.05
